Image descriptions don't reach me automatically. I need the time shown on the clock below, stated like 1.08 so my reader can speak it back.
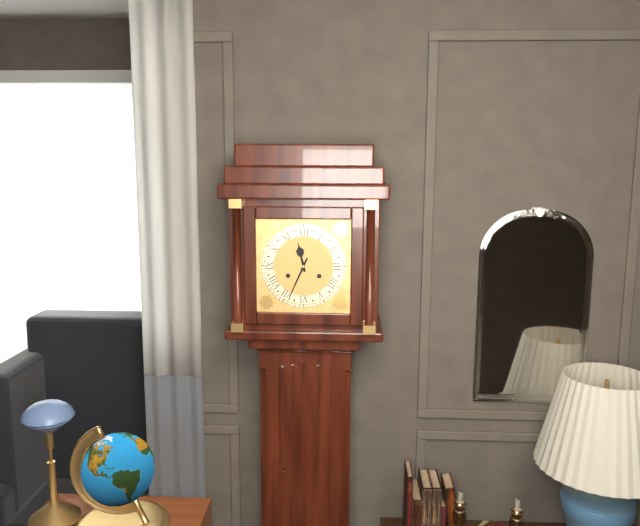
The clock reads 11.34
